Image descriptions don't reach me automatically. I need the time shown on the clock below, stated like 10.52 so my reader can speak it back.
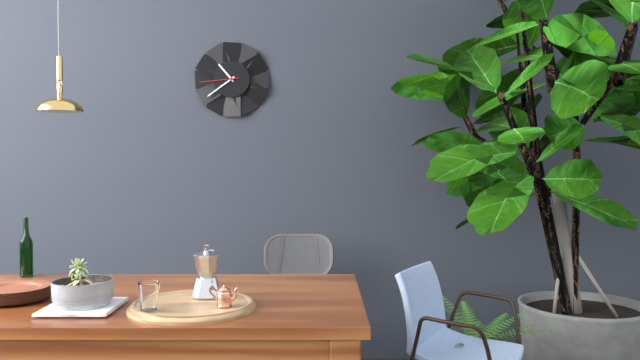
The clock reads 10.39
